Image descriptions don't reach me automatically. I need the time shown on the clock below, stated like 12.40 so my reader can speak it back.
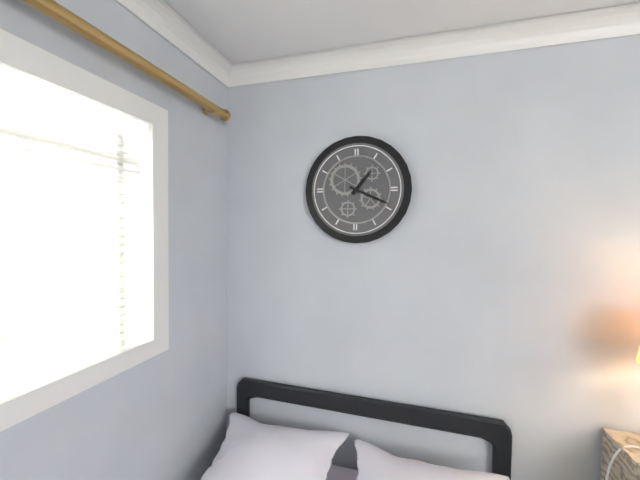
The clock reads 1.19
